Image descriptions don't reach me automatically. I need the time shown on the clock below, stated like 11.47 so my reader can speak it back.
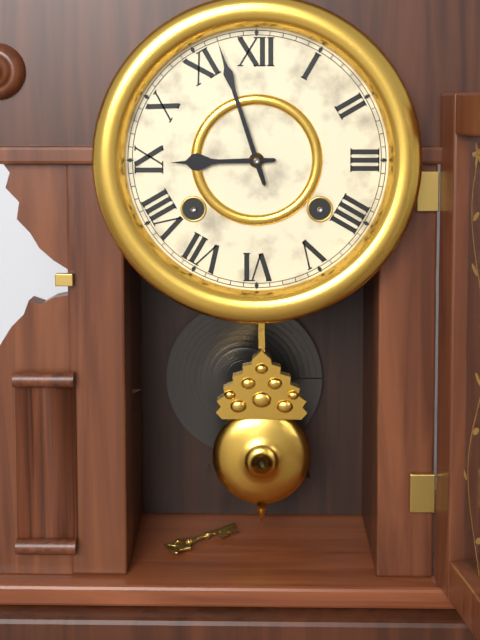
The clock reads 8.57
